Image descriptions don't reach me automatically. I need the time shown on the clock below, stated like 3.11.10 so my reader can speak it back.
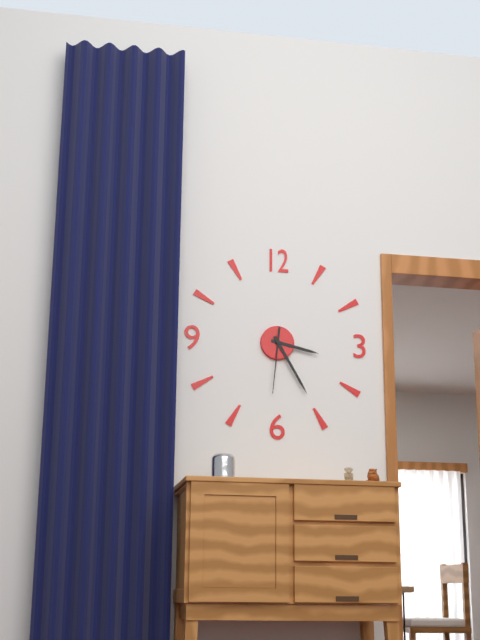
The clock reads 3.25.31
